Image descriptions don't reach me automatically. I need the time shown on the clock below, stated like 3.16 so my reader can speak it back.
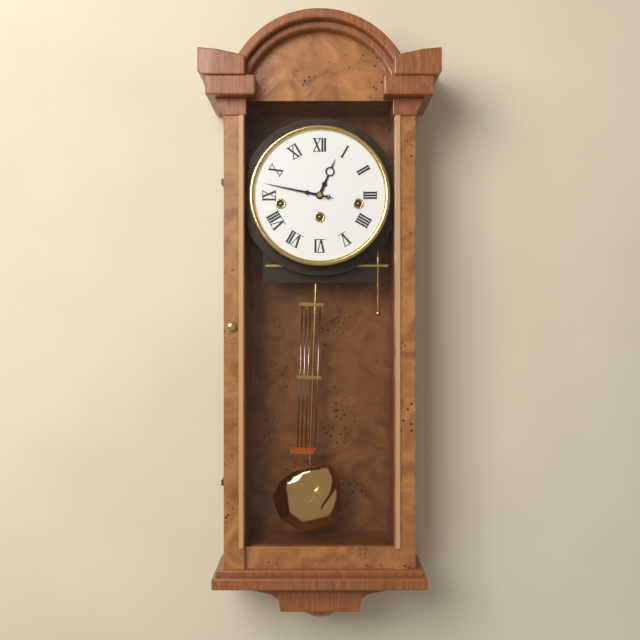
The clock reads 12.47
